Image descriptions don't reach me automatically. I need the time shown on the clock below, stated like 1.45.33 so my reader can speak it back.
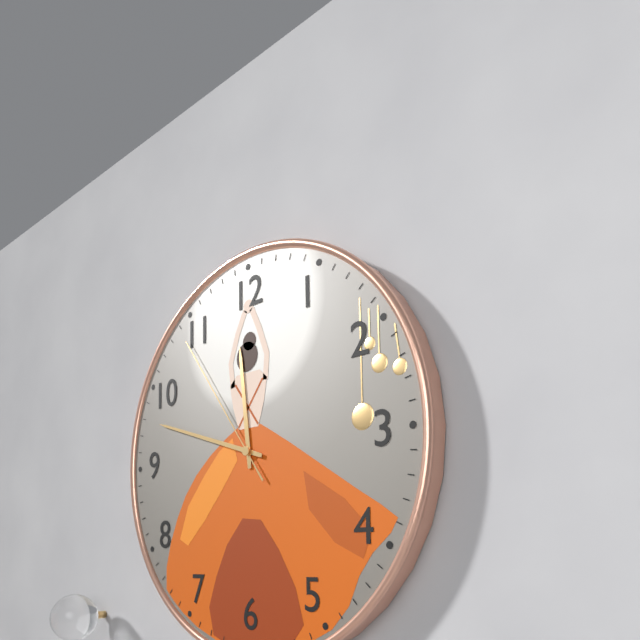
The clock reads 11.48.54
